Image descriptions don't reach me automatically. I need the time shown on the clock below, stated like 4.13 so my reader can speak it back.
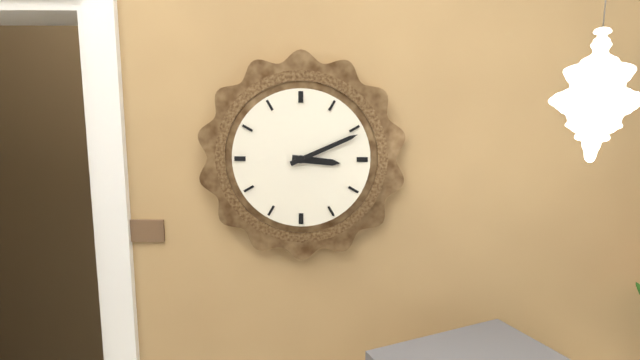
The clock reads 3.11
